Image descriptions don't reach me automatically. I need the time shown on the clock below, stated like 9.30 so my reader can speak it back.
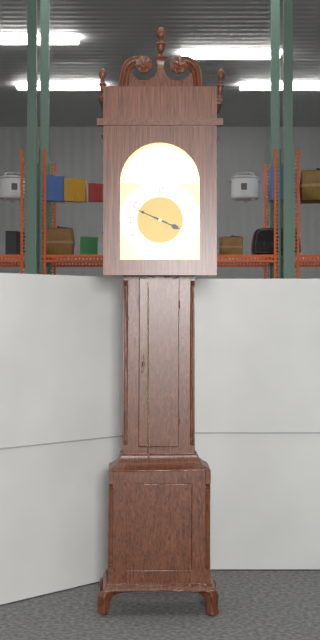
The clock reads 3.49
